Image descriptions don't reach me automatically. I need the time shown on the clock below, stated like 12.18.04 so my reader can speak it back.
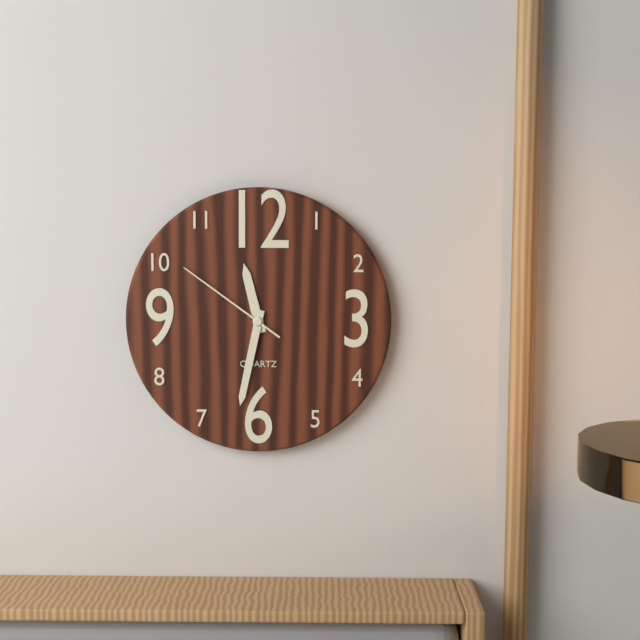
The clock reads 11.32.51
